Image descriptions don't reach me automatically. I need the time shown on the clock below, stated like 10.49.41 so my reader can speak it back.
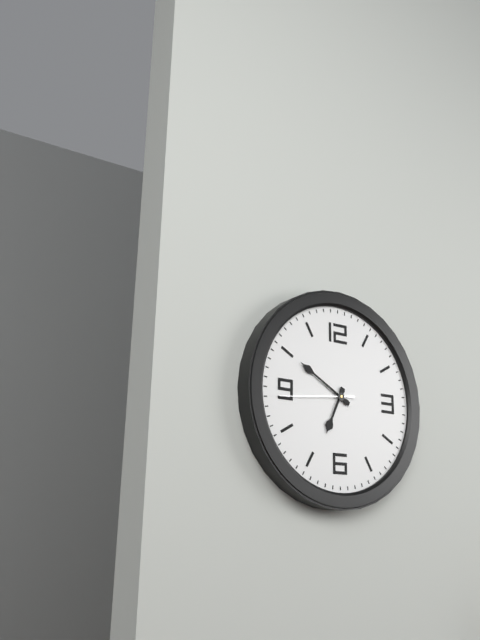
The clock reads 6.50.44
